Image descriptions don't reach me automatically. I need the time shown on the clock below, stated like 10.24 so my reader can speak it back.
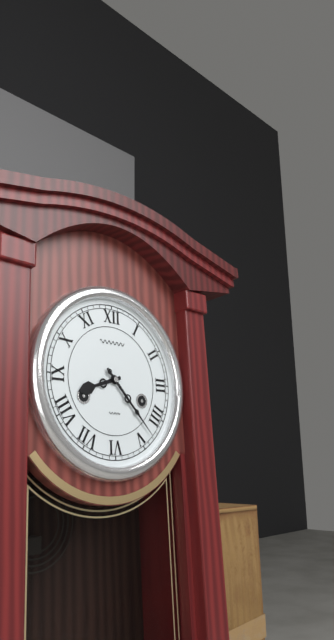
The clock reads 8.23
